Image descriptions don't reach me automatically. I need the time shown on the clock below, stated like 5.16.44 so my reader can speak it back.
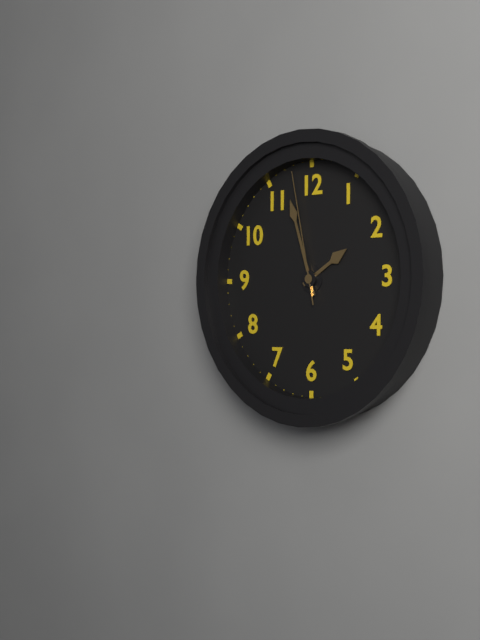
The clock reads 1.57.58
